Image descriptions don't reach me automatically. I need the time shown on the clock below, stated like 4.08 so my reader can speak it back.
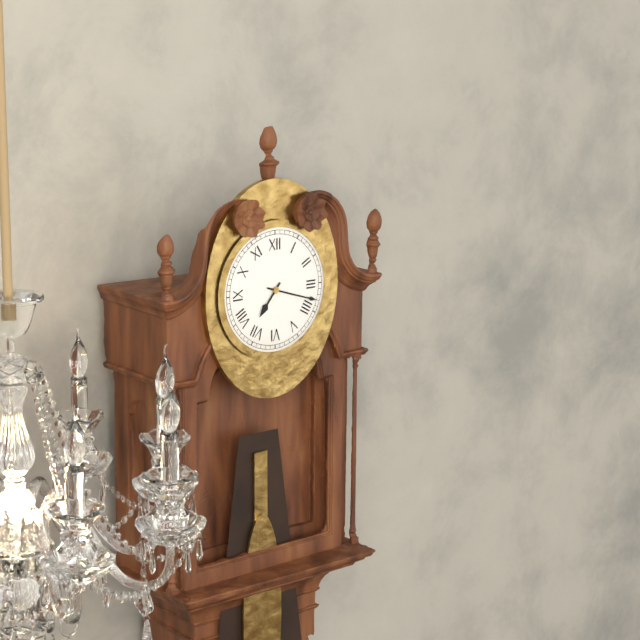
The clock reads 7.18
